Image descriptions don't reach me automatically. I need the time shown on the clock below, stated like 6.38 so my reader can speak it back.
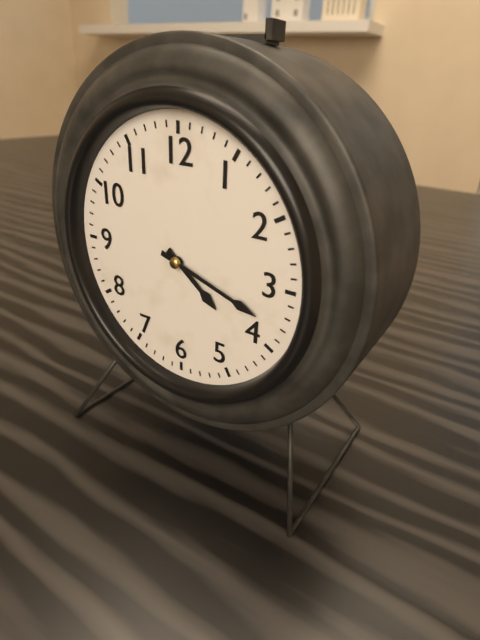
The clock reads 4.18
